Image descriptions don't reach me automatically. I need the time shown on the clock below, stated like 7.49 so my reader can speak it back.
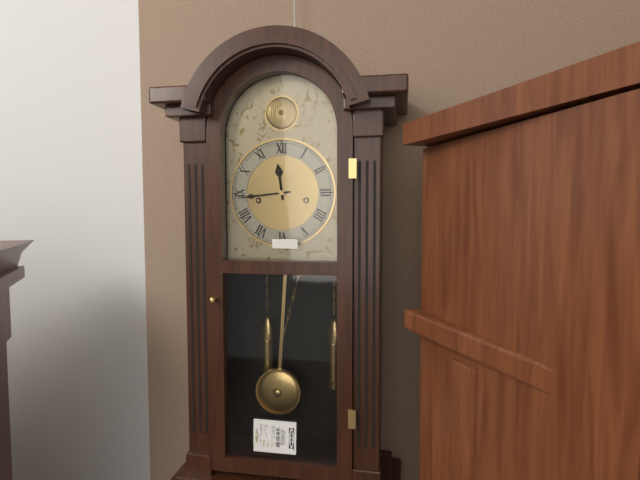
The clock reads 11.44
